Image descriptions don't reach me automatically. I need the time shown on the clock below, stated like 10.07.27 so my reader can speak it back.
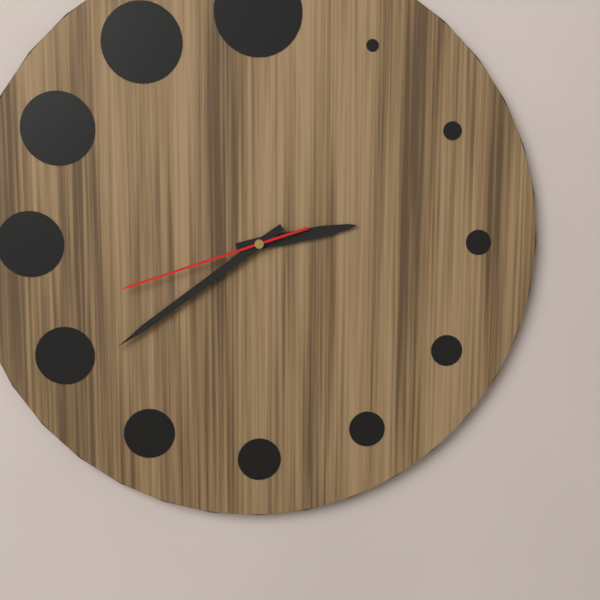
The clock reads 2.39.42
